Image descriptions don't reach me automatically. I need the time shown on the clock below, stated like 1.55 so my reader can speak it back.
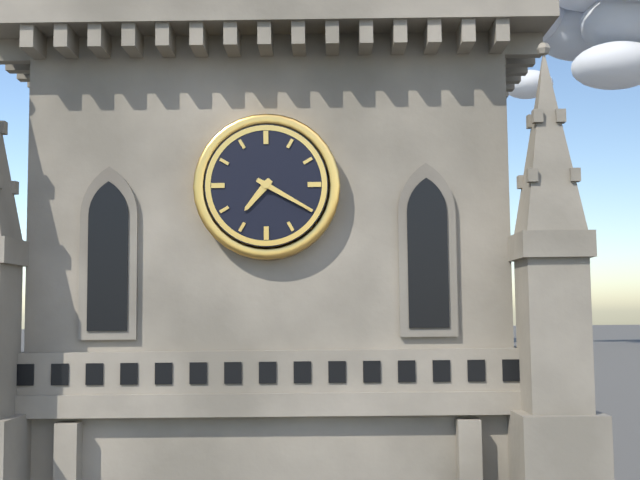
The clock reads 7.20
